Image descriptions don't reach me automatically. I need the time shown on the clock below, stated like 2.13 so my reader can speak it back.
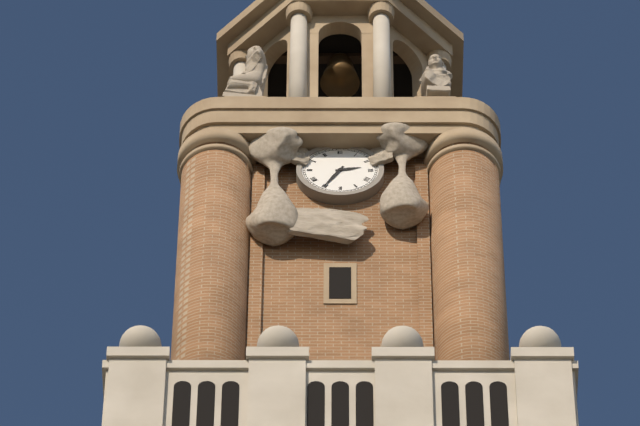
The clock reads 2.35
